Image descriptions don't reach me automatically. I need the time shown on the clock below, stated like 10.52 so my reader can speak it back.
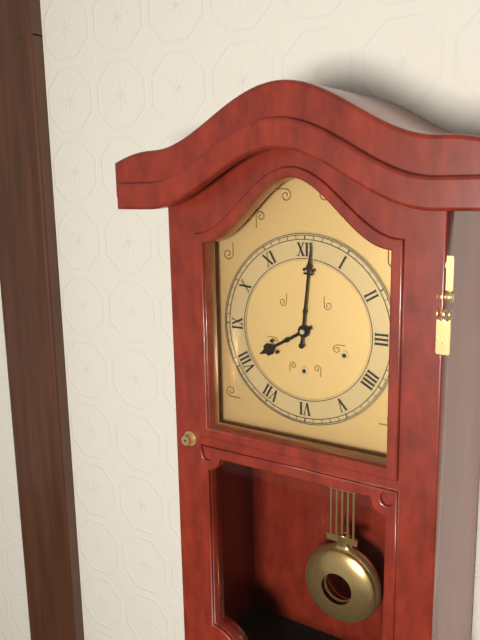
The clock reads 8.01
